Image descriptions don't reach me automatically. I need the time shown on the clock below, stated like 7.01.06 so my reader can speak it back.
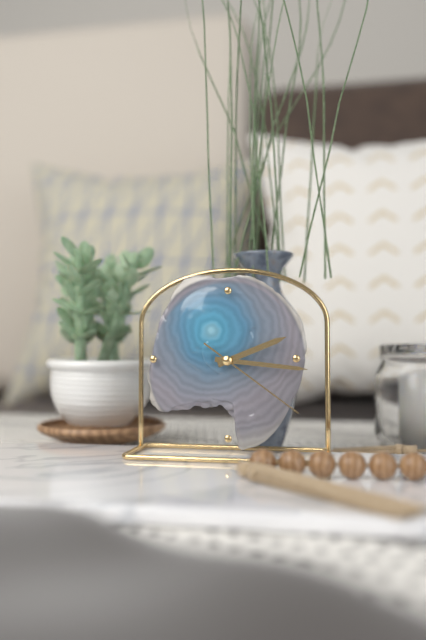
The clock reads 2.16.21
